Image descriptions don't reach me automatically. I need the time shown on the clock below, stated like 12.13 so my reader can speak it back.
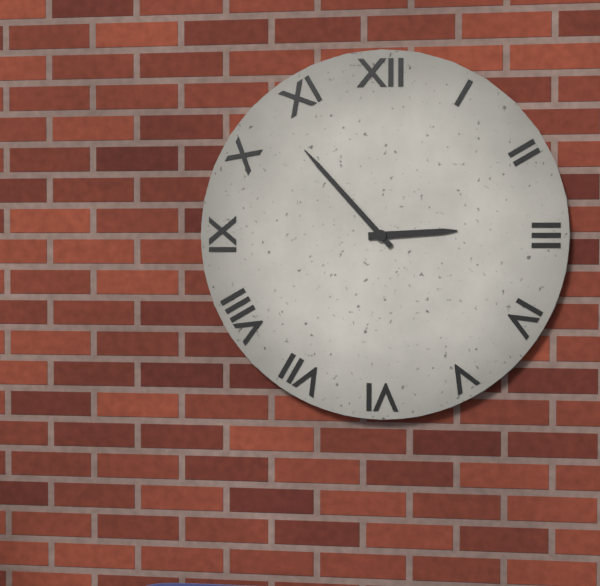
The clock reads 2.53
